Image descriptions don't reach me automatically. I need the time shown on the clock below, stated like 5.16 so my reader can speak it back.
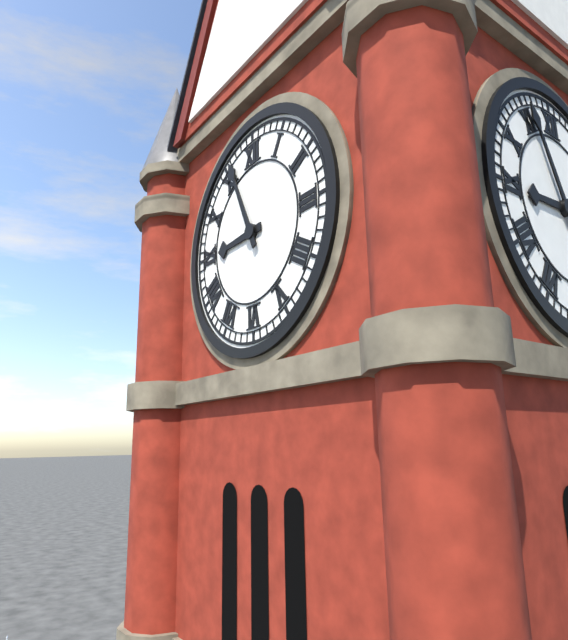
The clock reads 8.56
